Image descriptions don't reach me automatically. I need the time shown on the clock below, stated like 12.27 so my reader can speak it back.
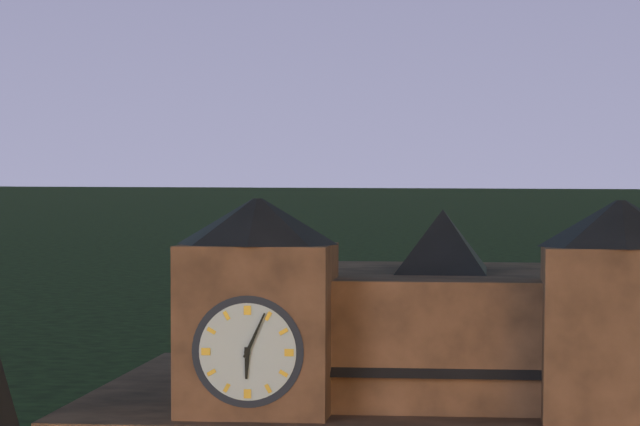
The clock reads 6.04
